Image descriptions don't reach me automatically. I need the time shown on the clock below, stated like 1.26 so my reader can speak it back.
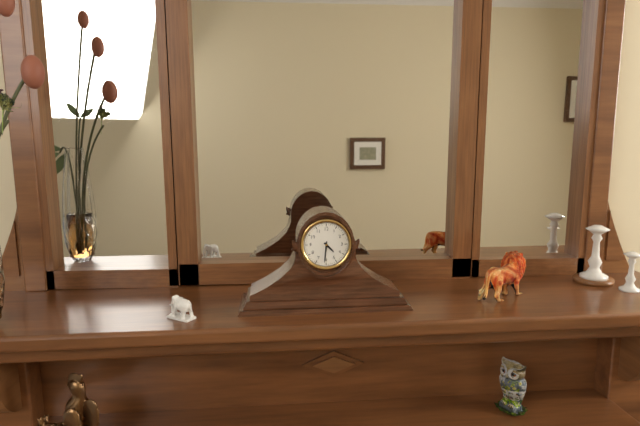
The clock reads 4.31
